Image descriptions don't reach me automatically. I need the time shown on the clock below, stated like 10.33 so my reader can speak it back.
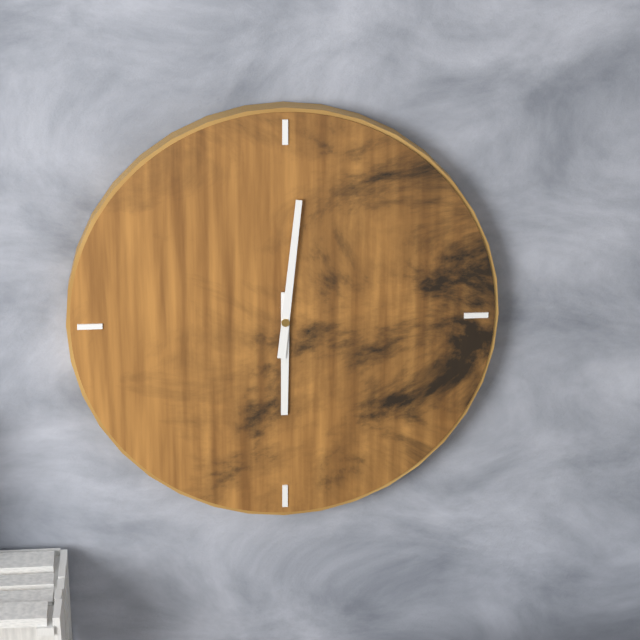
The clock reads 6.01
